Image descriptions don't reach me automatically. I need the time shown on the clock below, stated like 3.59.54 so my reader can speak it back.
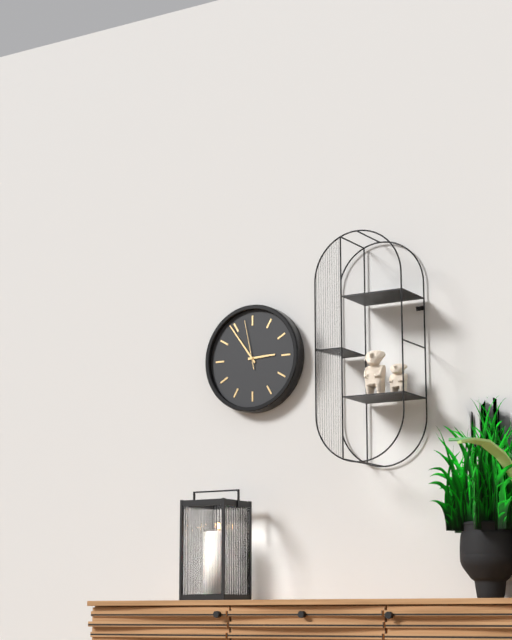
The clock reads 2.54.58
